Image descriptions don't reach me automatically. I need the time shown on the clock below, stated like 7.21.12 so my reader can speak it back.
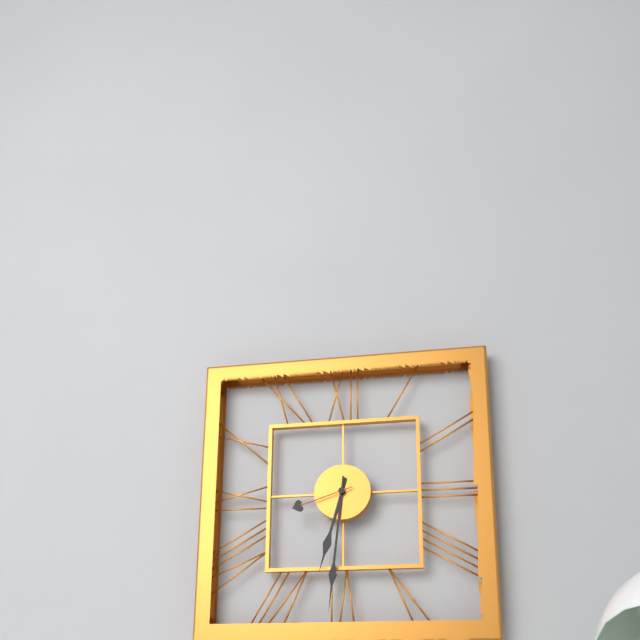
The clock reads 6.31.42
